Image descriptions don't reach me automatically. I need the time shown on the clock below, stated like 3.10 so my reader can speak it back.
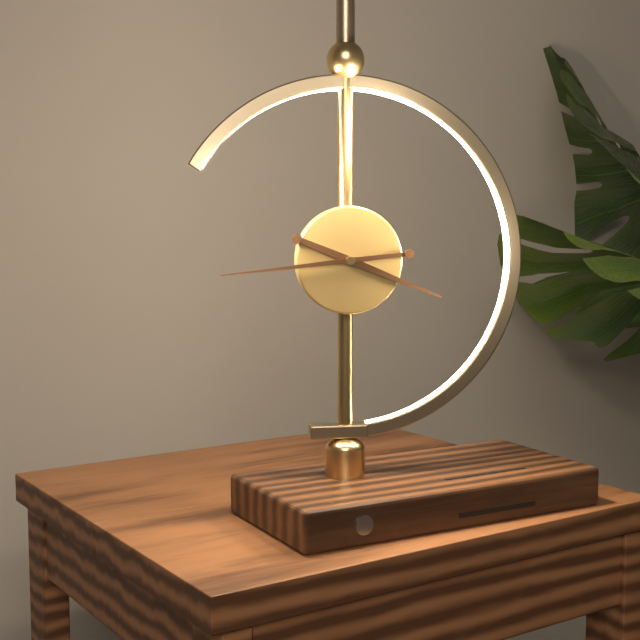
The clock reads 3.44
